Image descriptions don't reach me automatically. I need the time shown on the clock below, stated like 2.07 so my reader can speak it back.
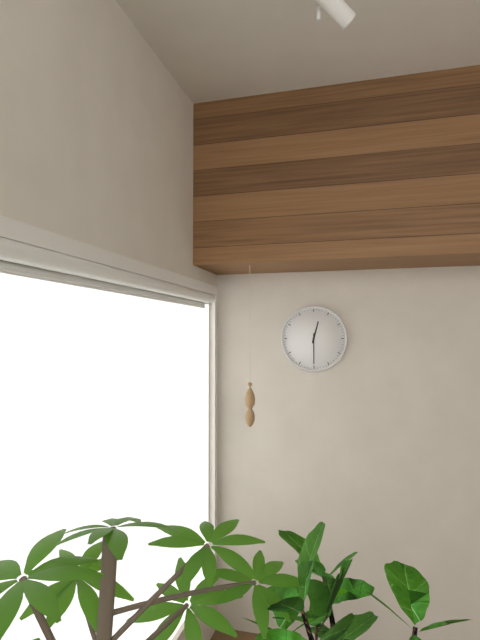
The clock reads 12.30
